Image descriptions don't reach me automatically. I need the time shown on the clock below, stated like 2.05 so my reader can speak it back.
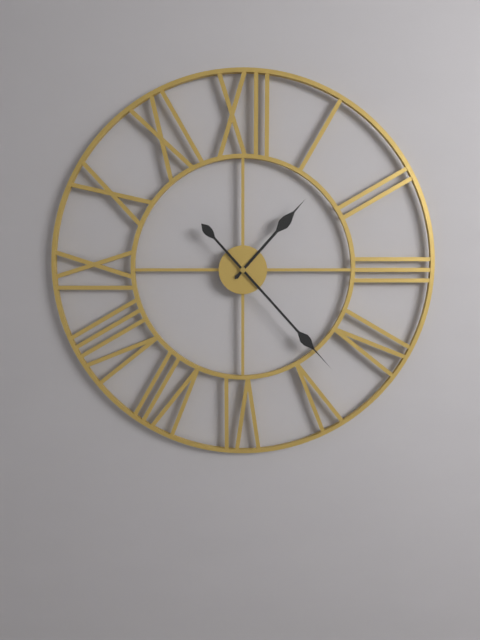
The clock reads 1.23
